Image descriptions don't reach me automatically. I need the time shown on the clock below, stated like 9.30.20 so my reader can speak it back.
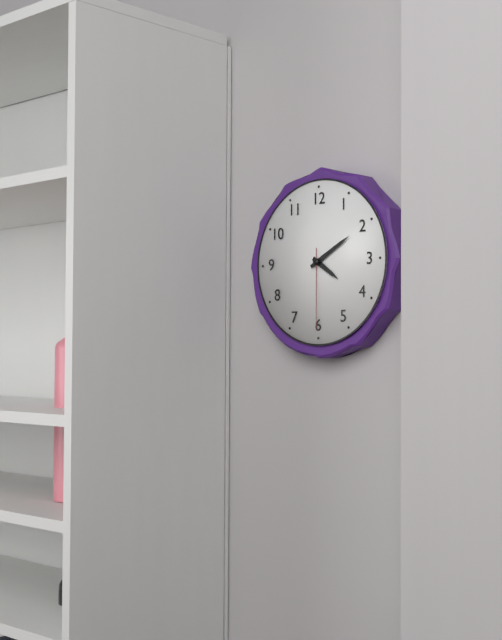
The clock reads 4.10.30
